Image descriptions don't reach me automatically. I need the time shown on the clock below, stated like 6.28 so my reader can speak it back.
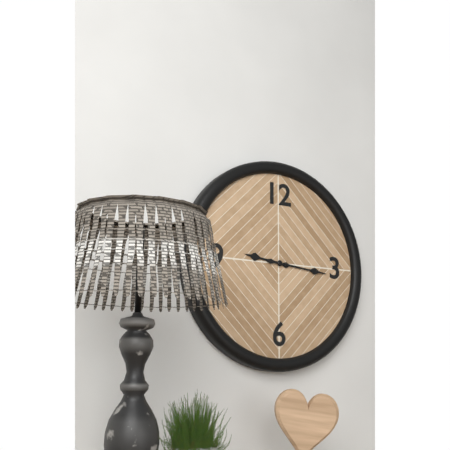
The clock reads 9.16
